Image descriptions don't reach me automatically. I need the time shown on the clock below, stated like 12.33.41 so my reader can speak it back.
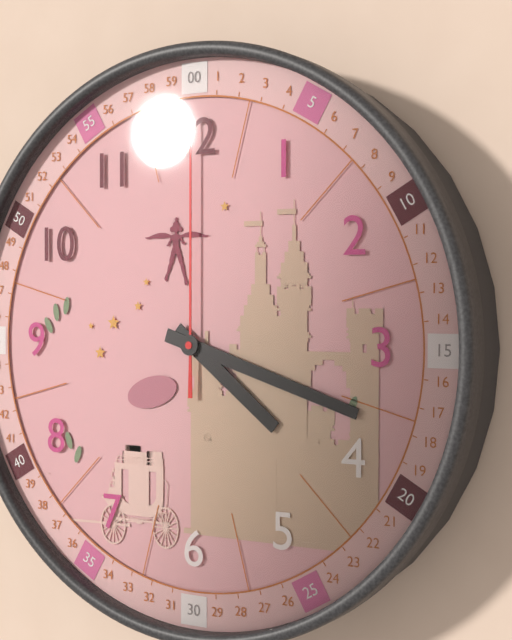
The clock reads 4.18.00
